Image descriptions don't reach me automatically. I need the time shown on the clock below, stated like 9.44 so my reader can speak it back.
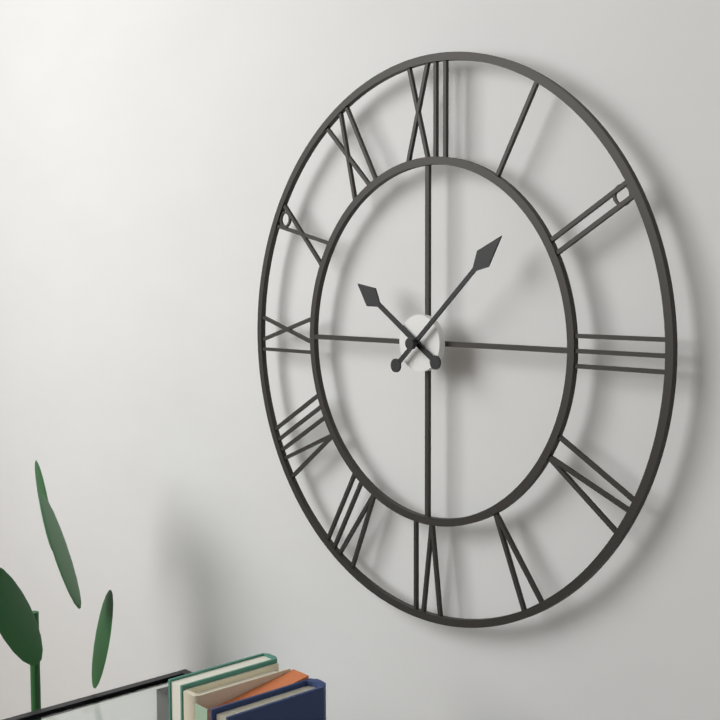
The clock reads 10.08
